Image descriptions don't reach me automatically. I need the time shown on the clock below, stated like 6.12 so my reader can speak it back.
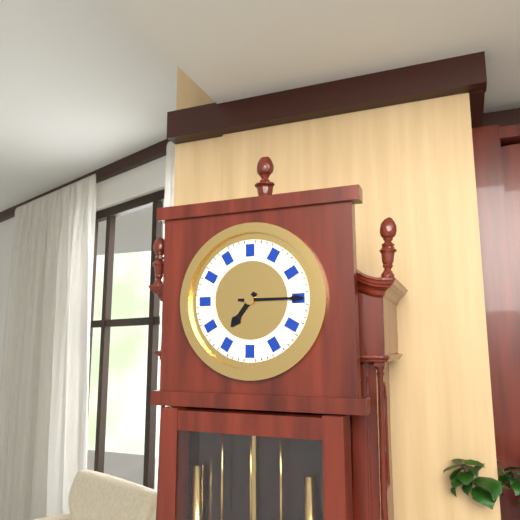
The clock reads 7.15
